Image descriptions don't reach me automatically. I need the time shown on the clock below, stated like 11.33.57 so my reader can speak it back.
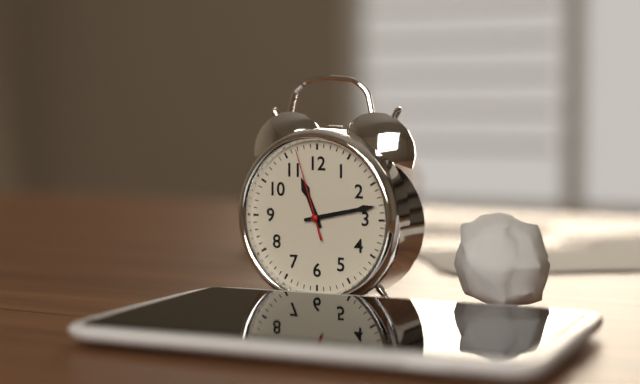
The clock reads 11.13.57
